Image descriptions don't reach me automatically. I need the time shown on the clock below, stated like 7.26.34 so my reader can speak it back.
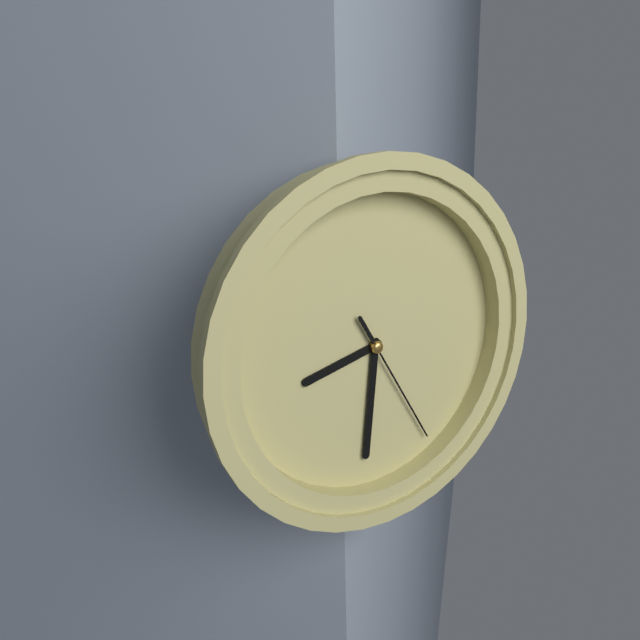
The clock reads 8.31.25
